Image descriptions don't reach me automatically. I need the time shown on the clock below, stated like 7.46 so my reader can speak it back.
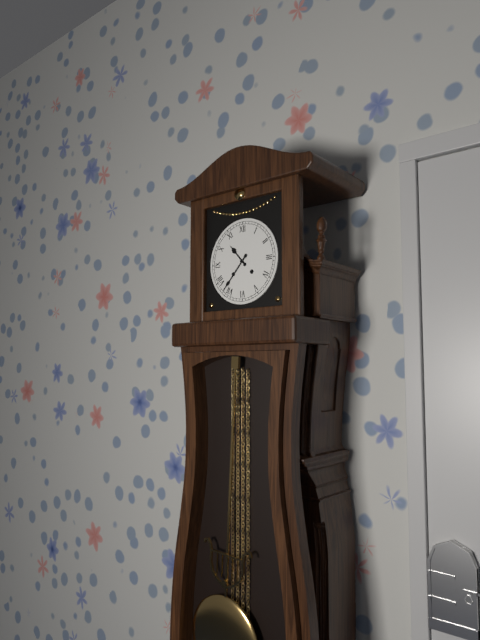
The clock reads 10.37
